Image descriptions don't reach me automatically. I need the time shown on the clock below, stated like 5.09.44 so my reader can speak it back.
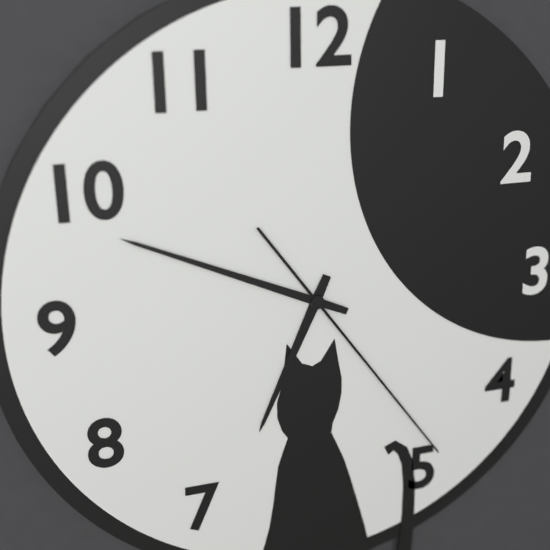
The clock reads 6.49.24
